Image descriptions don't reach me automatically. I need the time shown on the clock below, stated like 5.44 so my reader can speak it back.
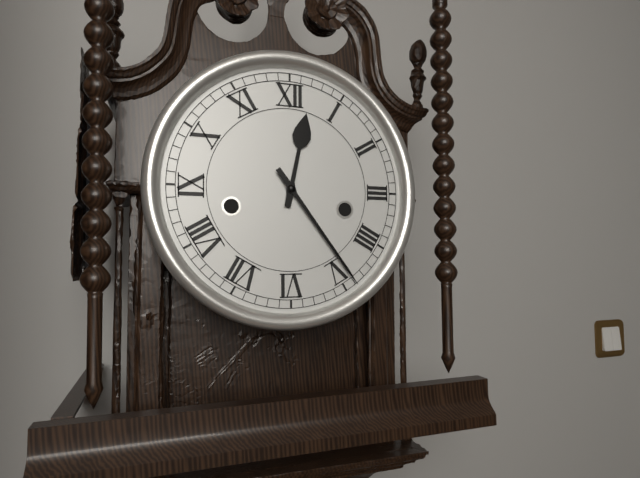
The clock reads 12.24
